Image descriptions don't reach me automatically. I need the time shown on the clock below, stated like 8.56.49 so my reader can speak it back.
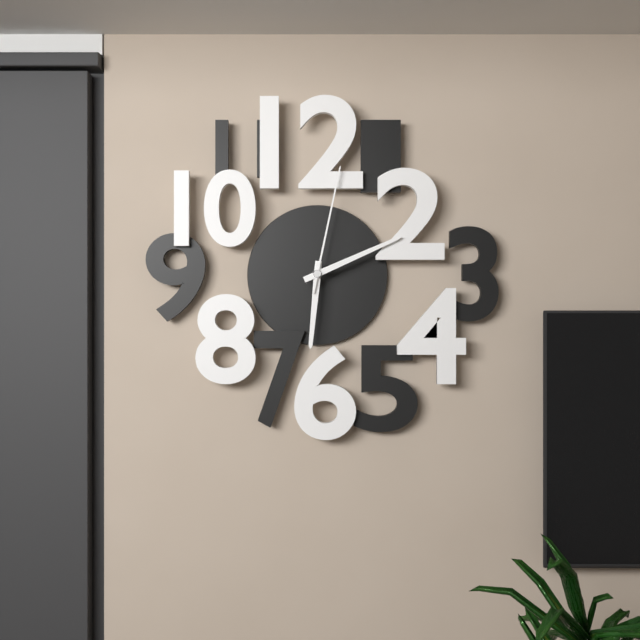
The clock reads 6.11.02
